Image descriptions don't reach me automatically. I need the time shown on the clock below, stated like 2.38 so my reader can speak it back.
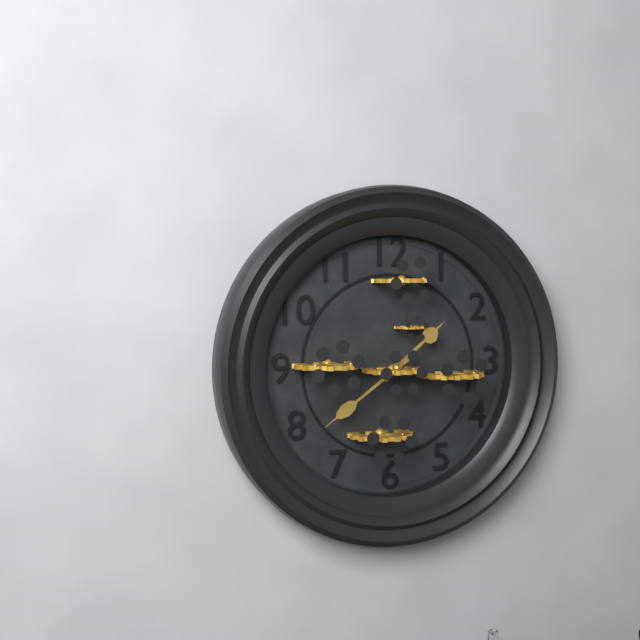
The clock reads 1.39
